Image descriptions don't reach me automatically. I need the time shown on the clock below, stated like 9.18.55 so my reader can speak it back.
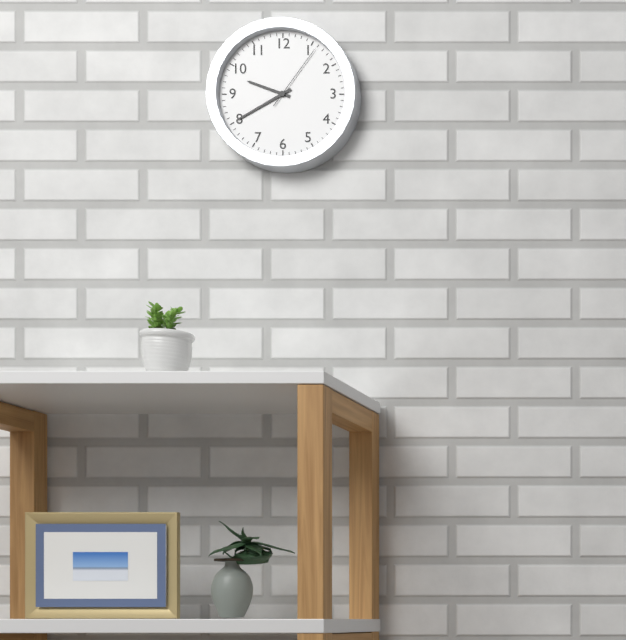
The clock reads 9.40.06
